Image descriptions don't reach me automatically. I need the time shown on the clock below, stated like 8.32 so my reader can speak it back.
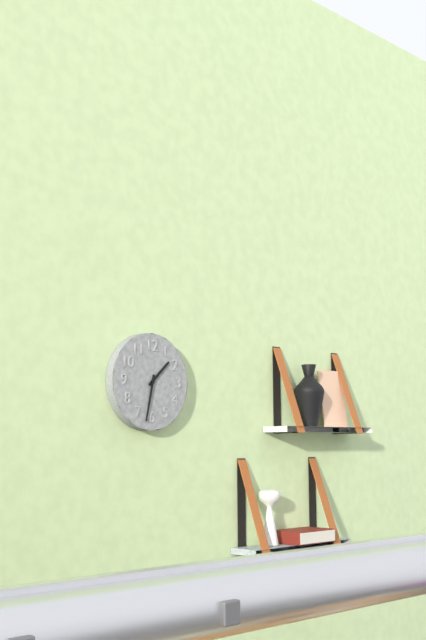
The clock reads 1.32
